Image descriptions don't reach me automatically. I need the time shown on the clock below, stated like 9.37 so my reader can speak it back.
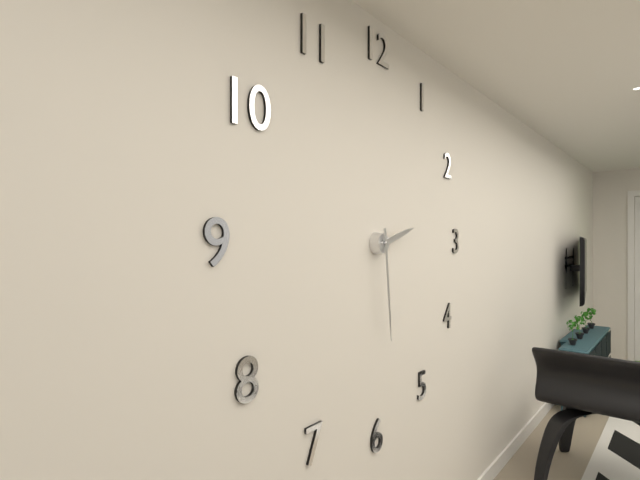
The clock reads 2.29
